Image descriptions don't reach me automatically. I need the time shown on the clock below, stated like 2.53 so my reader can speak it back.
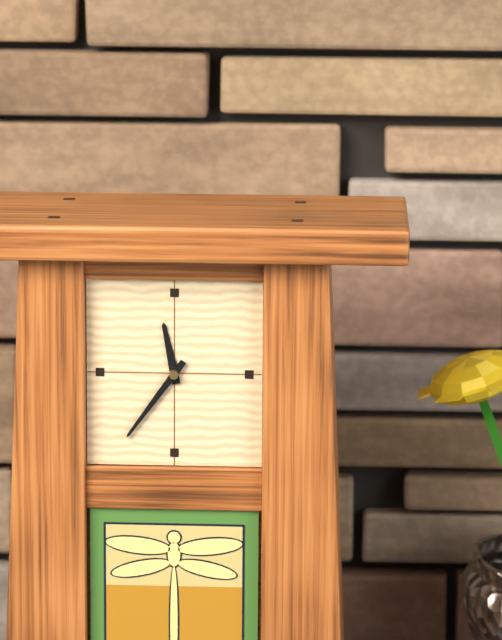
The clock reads 11.36
